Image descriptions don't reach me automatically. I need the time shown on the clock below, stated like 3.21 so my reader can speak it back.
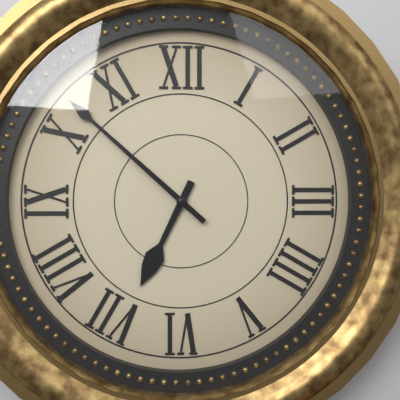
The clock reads 6.52
